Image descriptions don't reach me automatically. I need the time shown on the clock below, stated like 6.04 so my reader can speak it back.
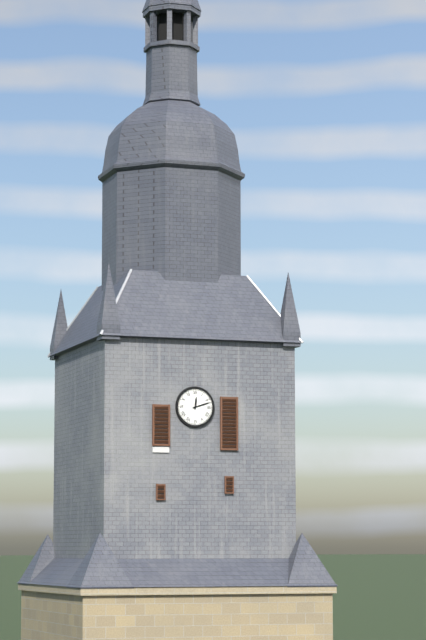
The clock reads 12.12
